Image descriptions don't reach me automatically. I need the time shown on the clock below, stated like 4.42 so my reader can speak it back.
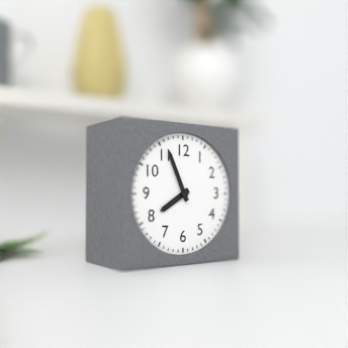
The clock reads 7.56
